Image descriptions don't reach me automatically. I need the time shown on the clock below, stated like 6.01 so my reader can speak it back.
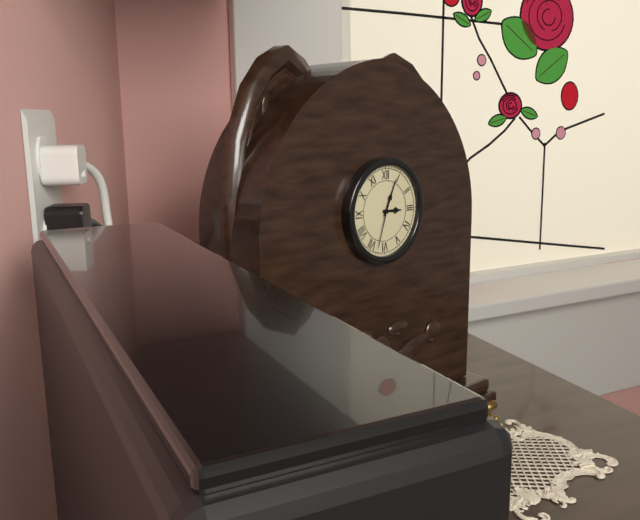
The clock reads 3.04
